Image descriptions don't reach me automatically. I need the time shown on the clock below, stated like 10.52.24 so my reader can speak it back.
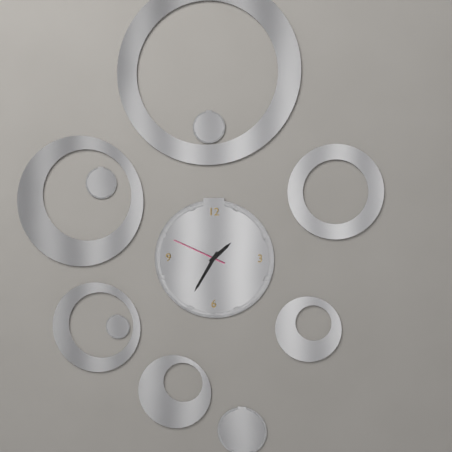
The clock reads 1.35.49
